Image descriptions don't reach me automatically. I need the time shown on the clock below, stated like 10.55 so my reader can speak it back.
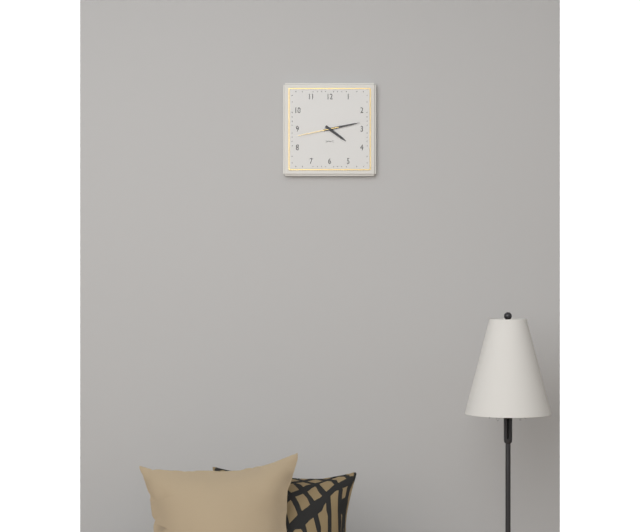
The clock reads 4.13
